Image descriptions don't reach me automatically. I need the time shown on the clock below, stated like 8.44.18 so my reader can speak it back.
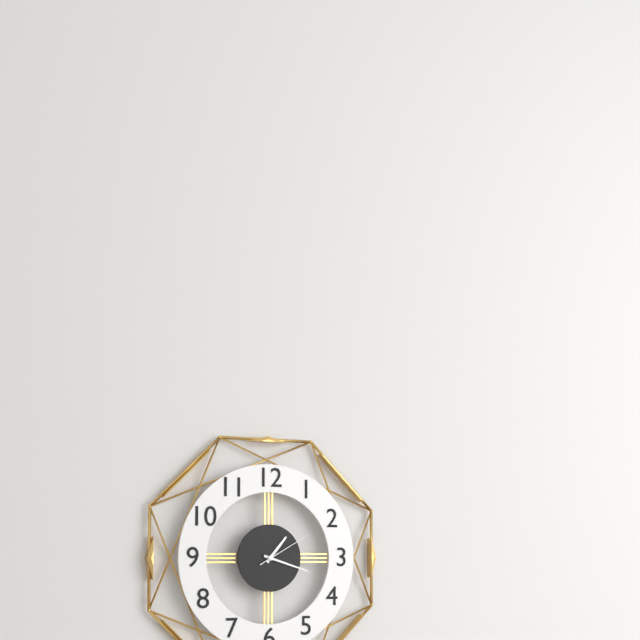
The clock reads 1.18.10
